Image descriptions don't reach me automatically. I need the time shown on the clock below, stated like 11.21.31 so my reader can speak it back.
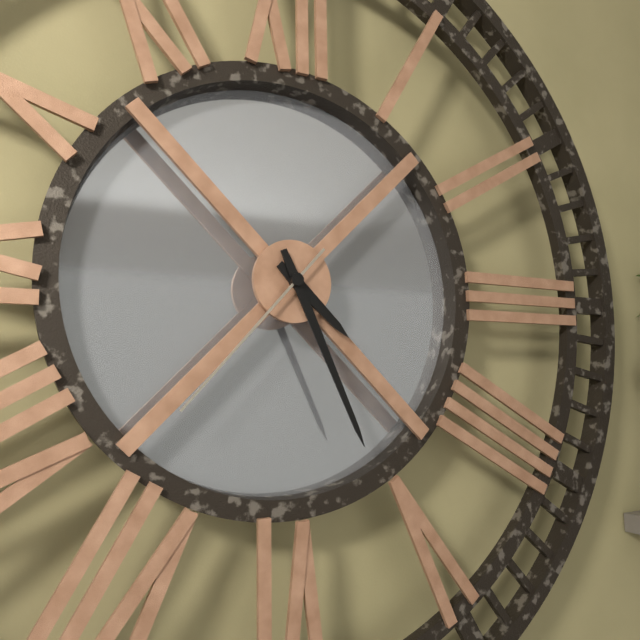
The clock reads 4.26.37
